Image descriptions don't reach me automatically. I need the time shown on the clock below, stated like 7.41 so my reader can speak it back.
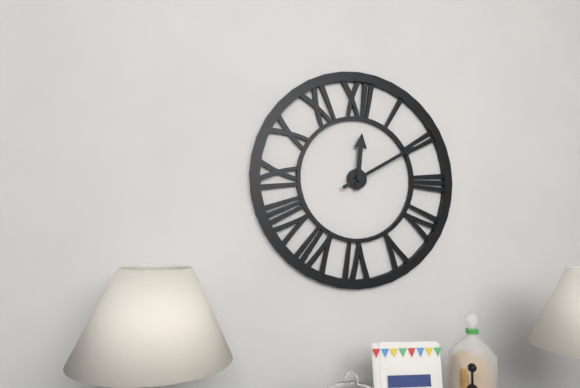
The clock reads 12.10
